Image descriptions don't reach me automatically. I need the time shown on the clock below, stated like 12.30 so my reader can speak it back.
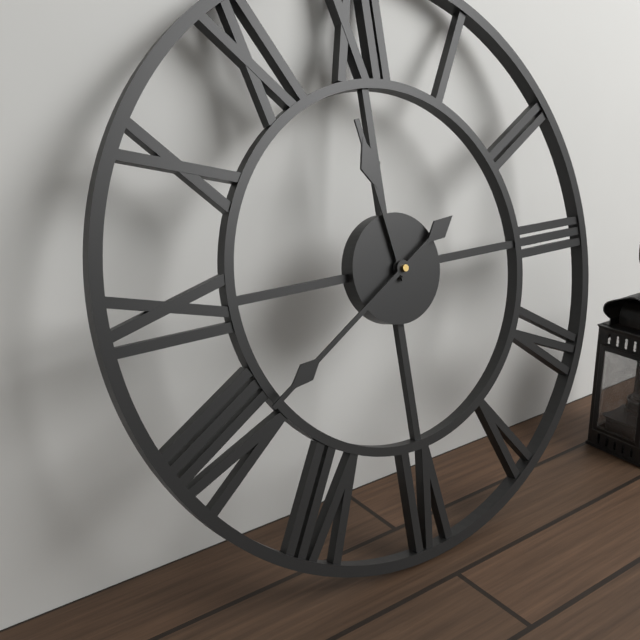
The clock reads 11.40
